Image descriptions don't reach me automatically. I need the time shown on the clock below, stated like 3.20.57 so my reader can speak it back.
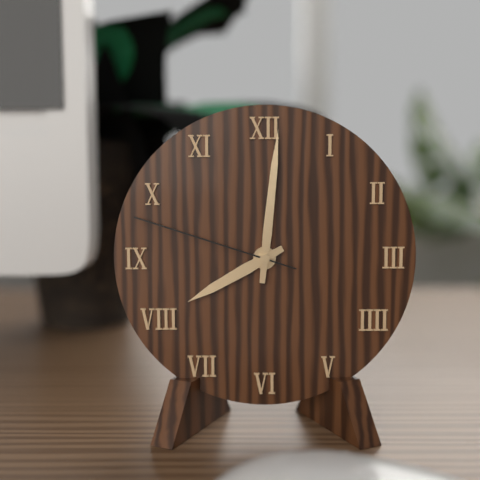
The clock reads 8.01.48
